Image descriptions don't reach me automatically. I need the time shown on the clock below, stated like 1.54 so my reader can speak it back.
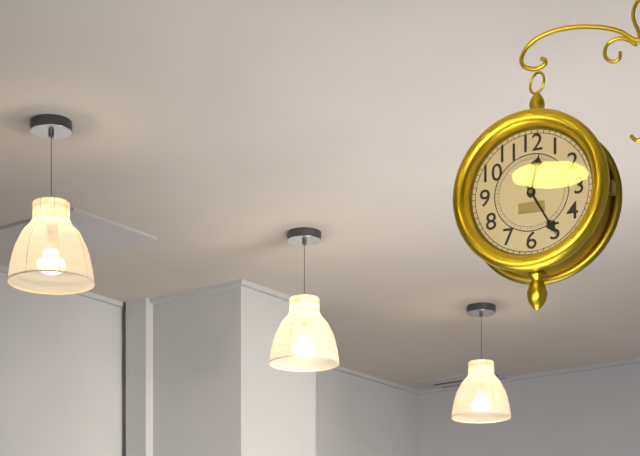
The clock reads 12.25
